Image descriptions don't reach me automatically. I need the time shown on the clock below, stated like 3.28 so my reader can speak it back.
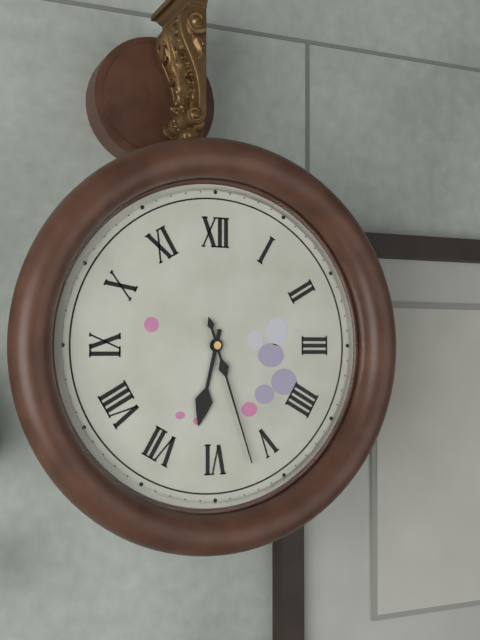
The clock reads 6.27
